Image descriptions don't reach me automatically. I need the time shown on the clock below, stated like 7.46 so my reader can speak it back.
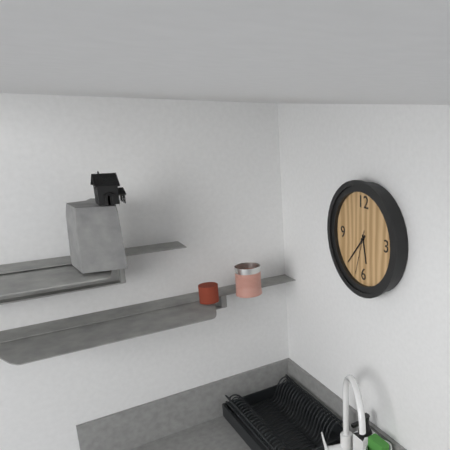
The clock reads 5.37
